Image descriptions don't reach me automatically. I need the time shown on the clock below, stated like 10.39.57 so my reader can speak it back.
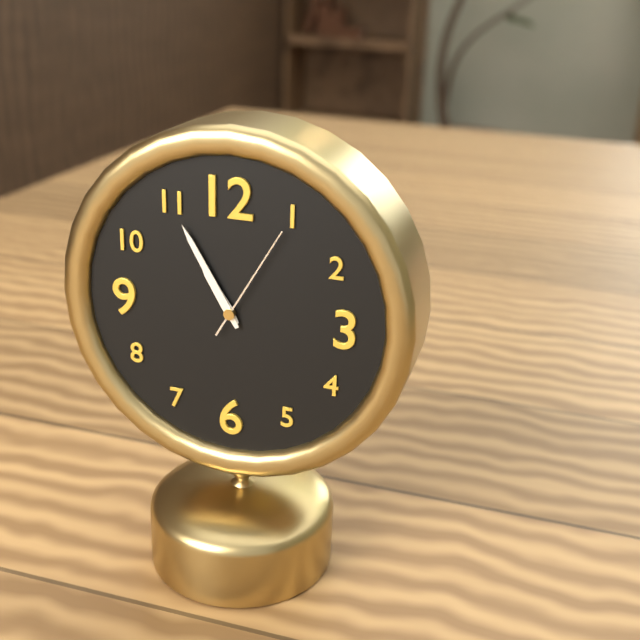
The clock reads 10.55.05
